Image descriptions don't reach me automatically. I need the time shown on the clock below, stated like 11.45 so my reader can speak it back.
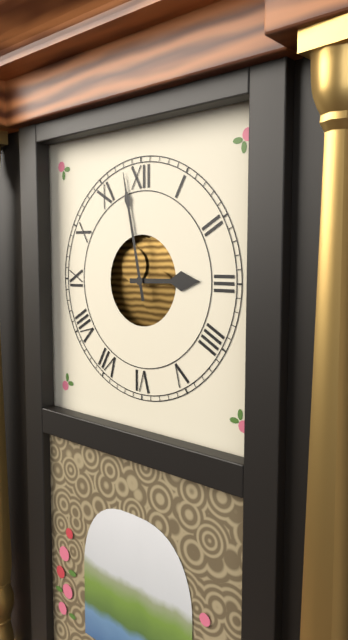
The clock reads 2.58
